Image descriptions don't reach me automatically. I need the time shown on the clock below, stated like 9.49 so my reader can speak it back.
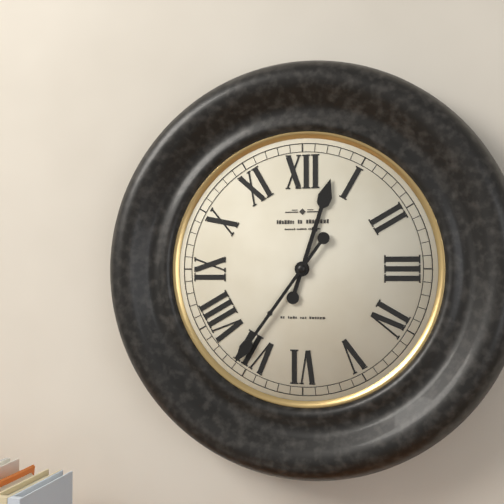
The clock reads 12.36
